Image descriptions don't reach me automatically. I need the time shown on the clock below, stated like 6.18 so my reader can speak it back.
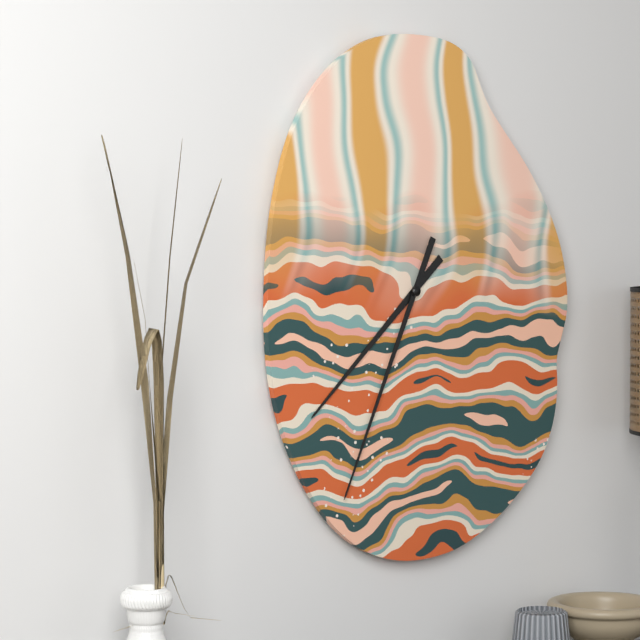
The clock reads 7.34
